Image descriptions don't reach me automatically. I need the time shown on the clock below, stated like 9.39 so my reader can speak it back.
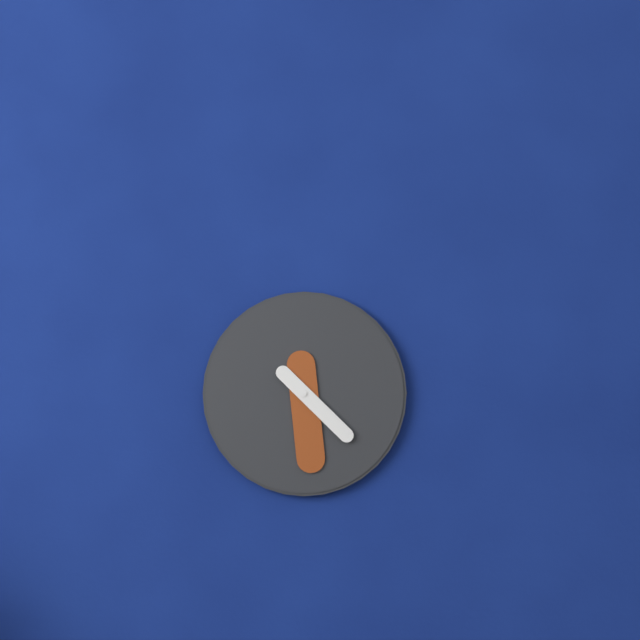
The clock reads 4.29
